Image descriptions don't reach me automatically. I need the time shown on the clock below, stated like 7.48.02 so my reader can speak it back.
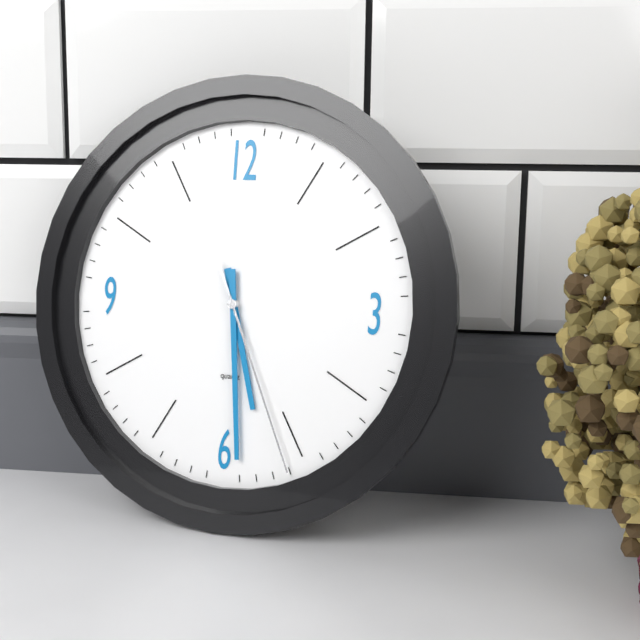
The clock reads 5.29.26
